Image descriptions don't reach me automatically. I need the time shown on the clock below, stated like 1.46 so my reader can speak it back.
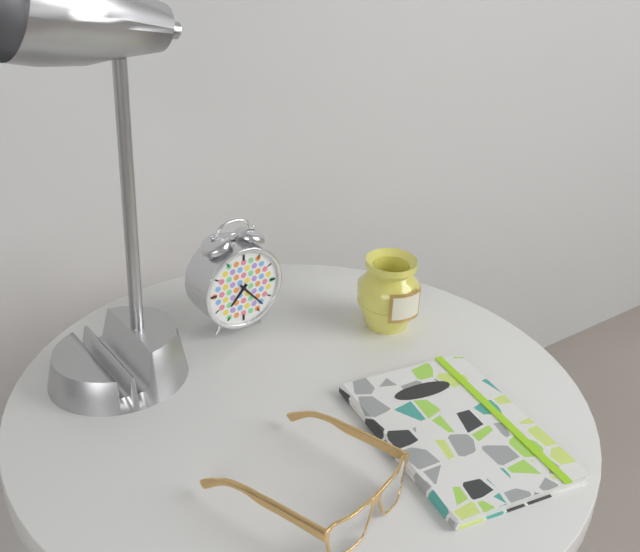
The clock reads 7.23
